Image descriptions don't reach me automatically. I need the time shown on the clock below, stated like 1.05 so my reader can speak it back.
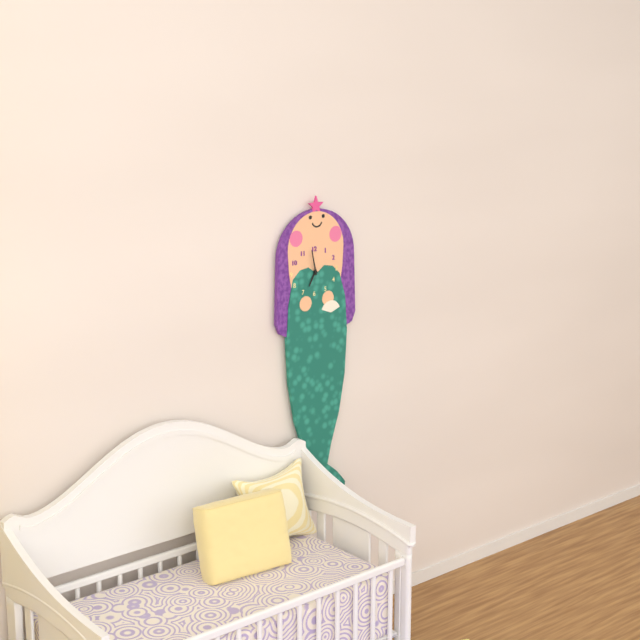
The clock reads 6.58
